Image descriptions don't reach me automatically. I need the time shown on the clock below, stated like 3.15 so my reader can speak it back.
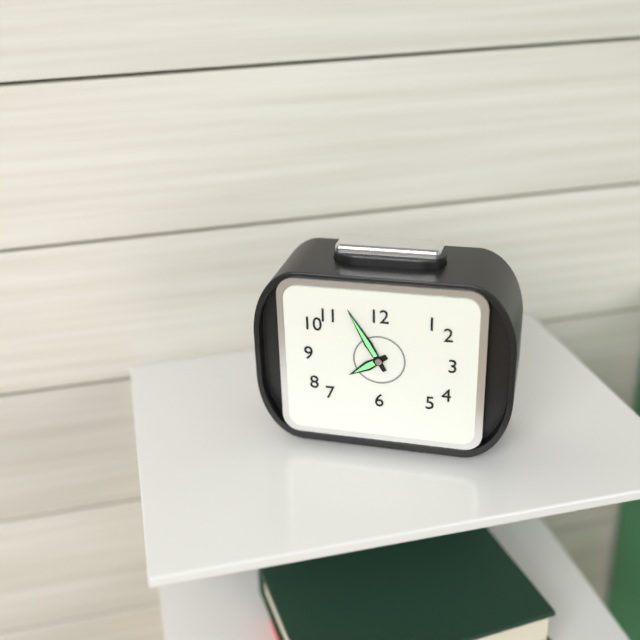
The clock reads 7.55
